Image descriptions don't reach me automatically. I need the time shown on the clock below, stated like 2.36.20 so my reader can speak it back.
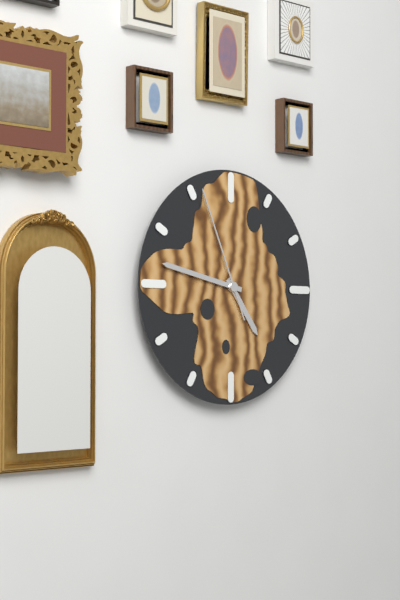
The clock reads 4.47.56
